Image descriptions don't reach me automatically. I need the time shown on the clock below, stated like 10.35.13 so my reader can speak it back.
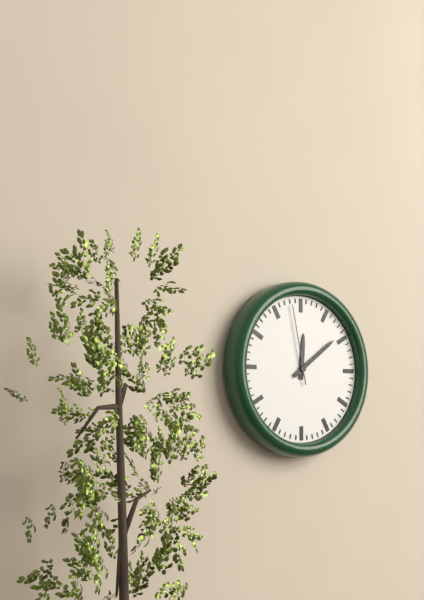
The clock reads 12.09.58
